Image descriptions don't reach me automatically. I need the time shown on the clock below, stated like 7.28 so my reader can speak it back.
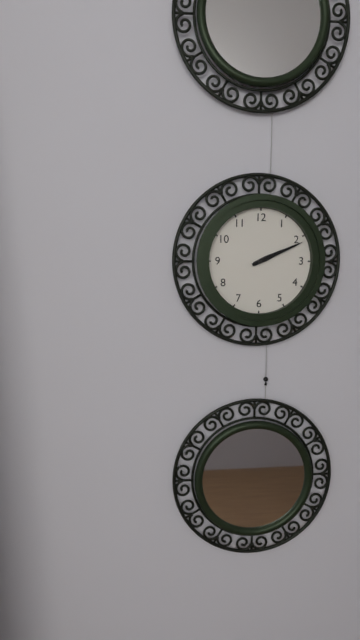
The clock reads 2.11
